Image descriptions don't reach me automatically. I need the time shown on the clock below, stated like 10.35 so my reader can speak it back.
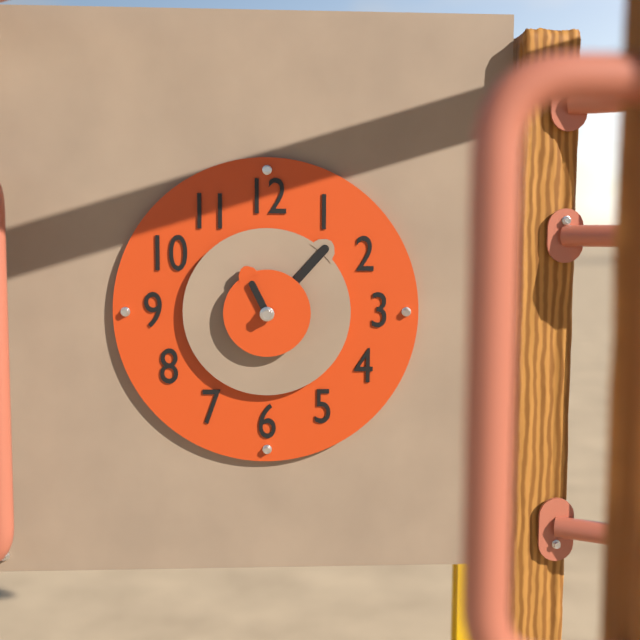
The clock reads 11.07
